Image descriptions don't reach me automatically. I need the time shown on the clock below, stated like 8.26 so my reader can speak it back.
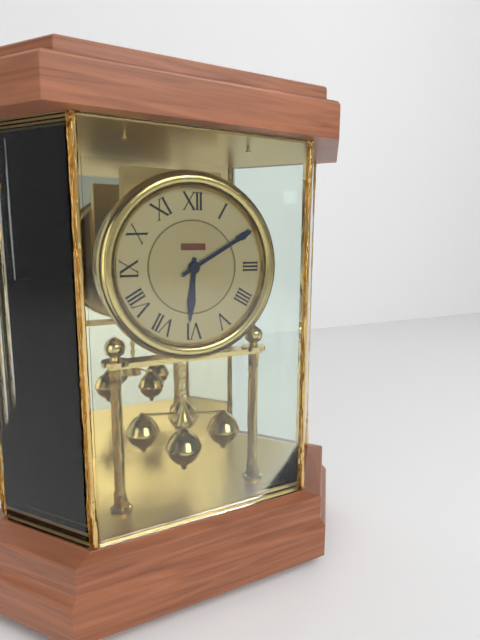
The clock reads 6.10
